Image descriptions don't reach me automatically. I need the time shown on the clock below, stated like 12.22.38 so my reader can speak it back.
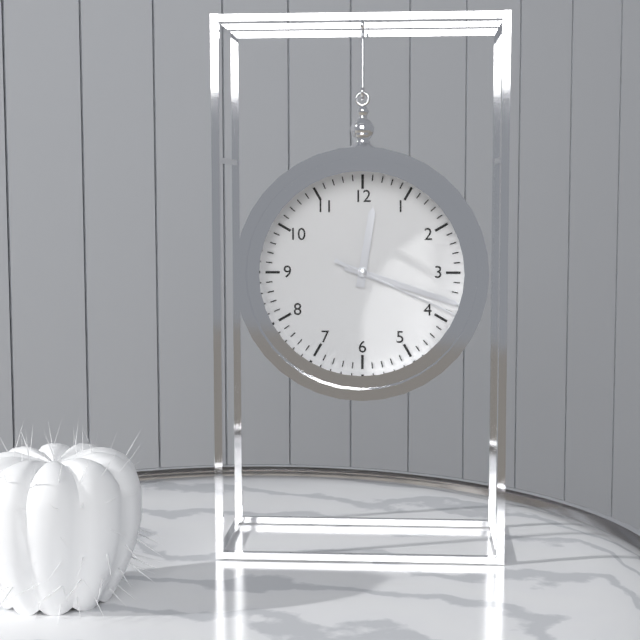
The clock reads 12.18.19
